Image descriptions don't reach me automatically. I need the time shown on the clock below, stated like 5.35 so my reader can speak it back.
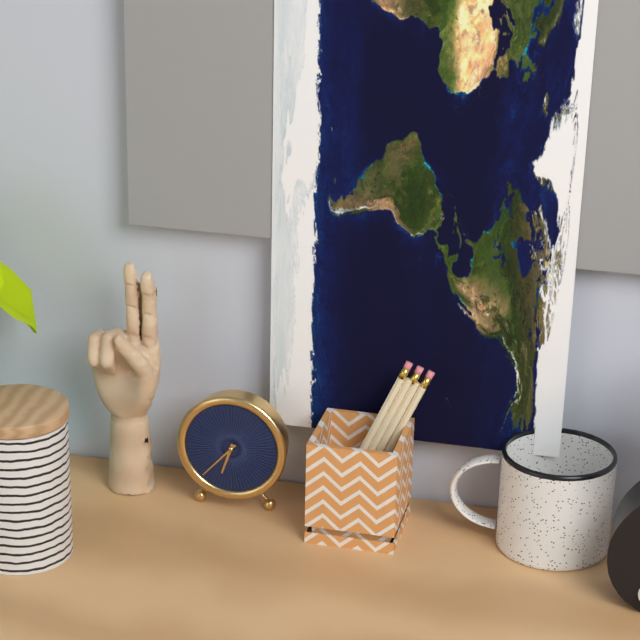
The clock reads 6.37
